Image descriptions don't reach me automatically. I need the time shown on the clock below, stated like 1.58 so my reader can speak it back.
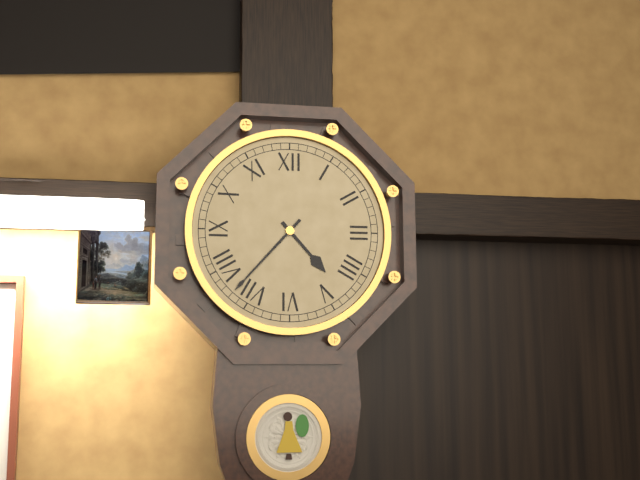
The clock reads 4.37
